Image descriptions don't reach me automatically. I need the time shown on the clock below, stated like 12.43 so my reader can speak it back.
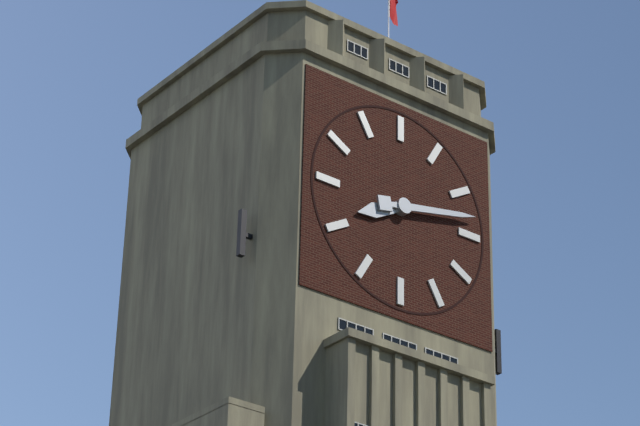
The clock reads 8.13
